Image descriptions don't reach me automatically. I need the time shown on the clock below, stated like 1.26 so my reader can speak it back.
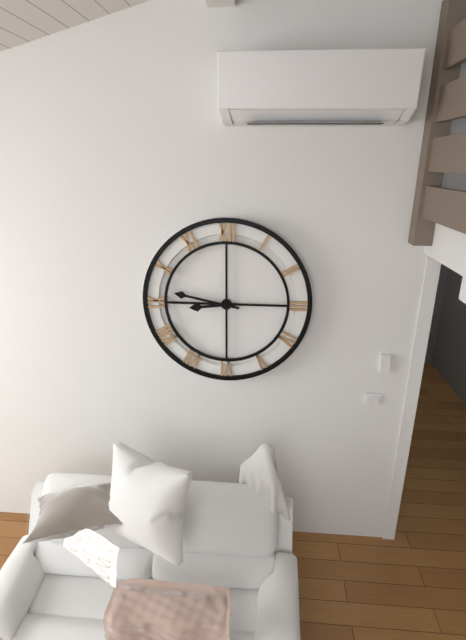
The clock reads 8.47
